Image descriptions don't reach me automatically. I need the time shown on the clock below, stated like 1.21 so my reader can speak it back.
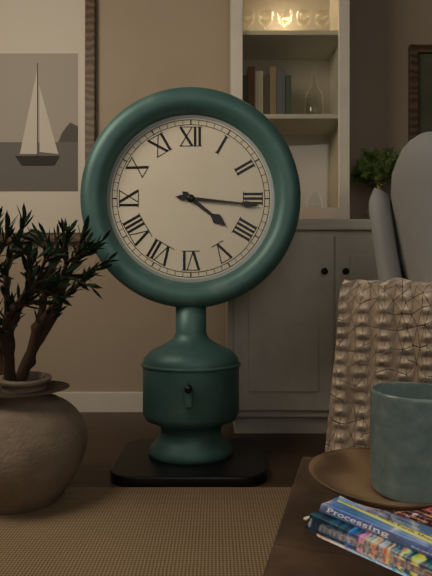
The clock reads 4.16
